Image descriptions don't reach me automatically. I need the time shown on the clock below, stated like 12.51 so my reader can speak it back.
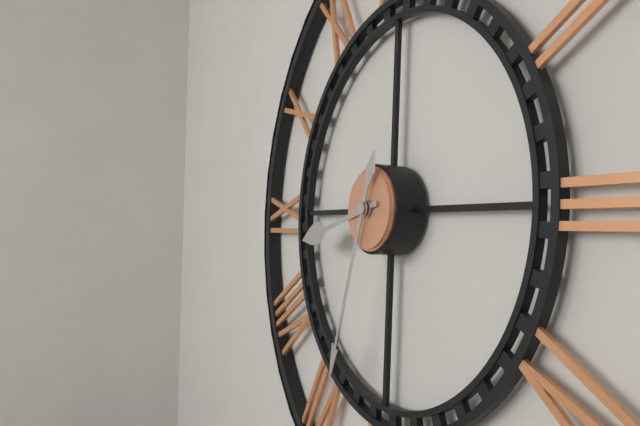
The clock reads 8.33
